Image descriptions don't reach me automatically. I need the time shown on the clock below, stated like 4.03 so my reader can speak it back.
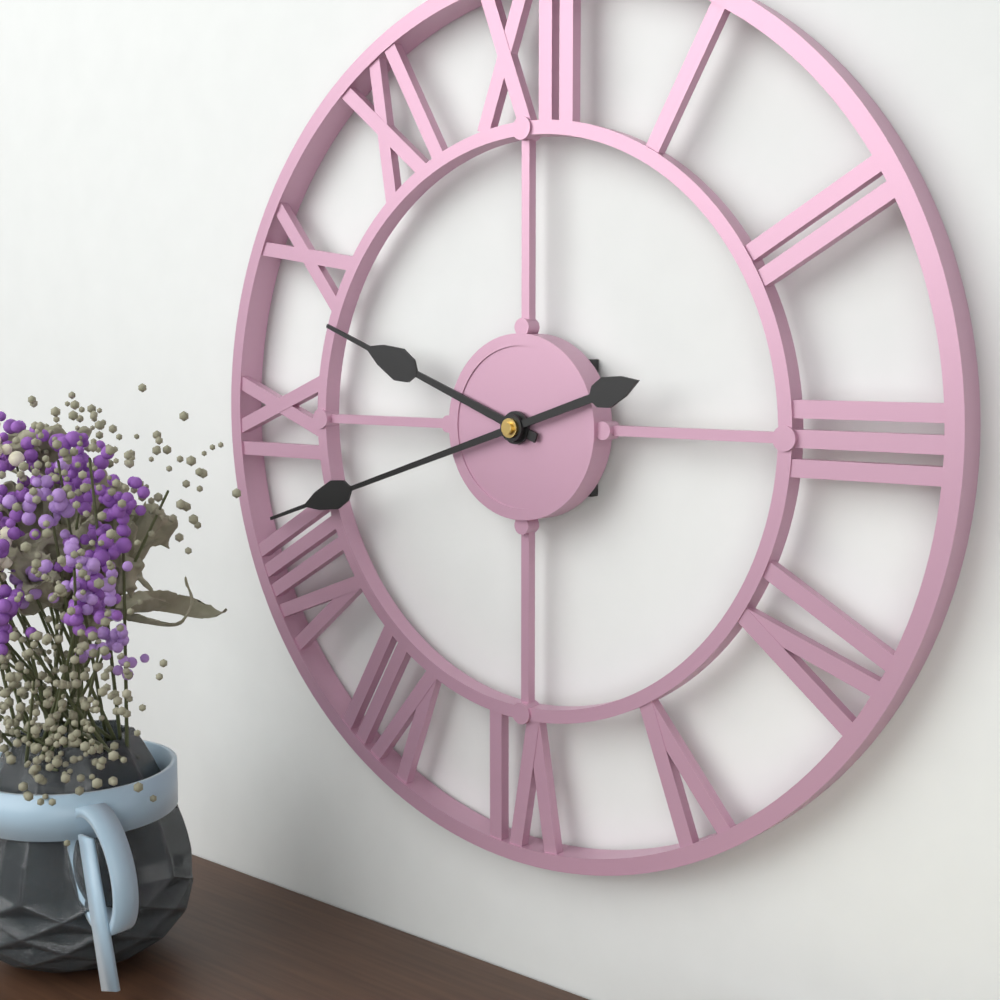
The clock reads 9.42
